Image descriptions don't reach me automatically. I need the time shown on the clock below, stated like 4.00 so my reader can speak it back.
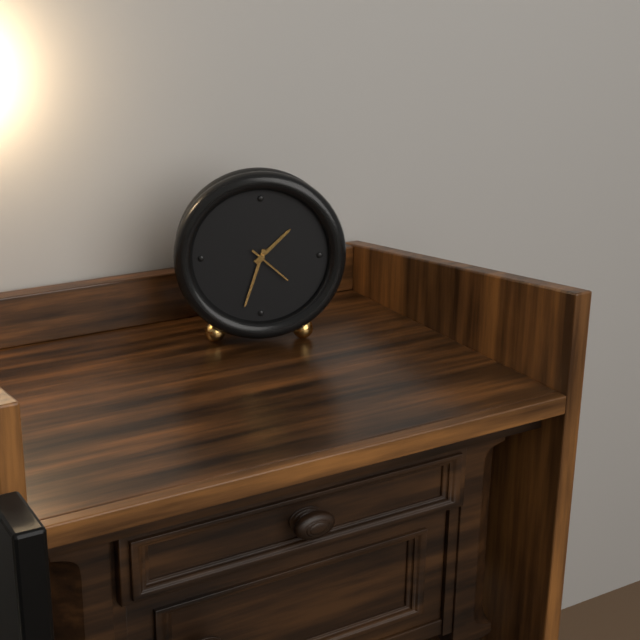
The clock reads 1.33
